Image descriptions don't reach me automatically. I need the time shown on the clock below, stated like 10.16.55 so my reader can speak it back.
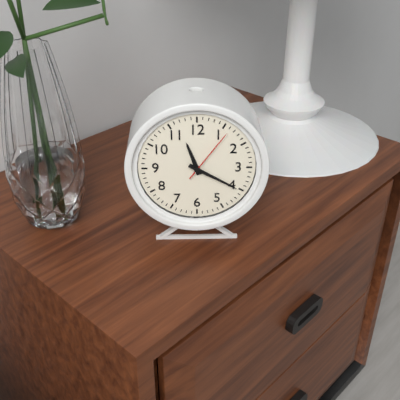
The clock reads 11.20.06
